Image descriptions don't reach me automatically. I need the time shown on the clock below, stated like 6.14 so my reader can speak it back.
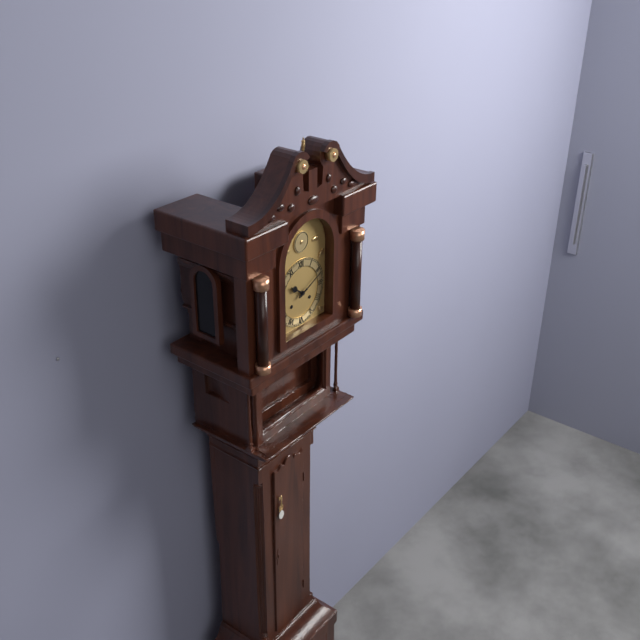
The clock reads 10.11
